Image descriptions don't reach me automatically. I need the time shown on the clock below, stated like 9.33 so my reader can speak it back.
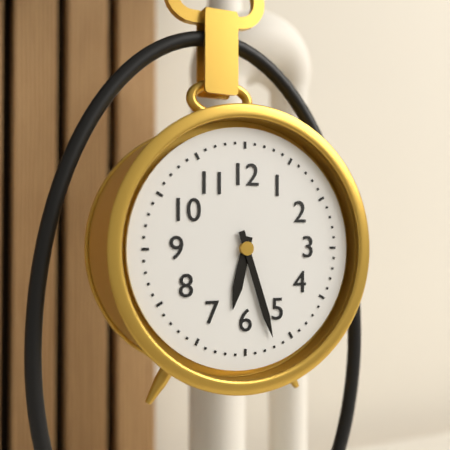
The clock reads 6.27
